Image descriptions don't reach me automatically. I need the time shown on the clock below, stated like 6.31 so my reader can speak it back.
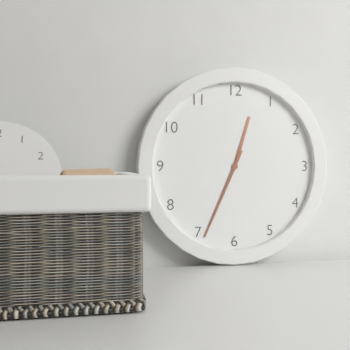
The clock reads 12.34
